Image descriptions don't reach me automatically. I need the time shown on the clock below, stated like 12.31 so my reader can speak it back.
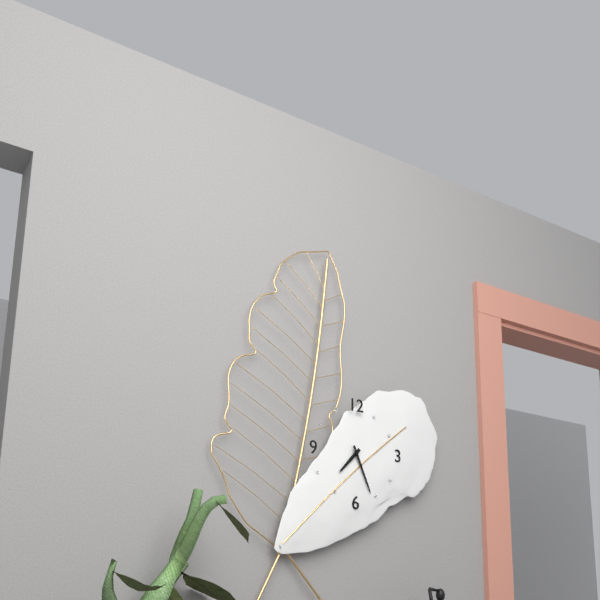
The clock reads 7.26
